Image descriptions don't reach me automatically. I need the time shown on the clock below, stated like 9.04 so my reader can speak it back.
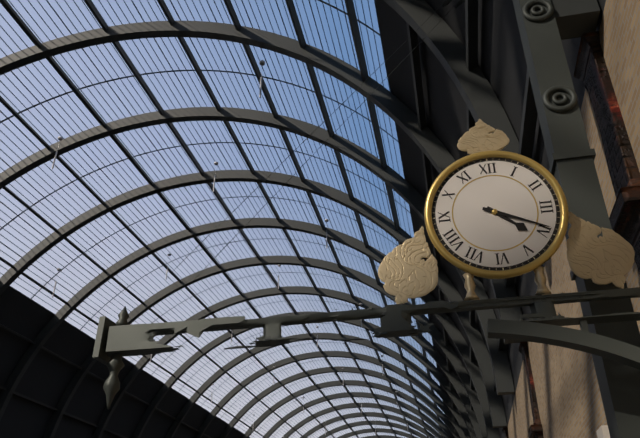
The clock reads 4.19
